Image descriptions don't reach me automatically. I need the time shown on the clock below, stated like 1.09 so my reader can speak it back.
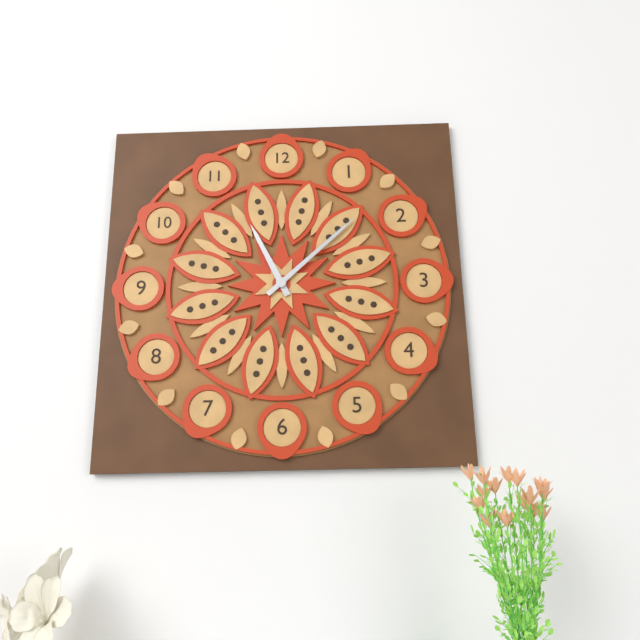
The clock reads 11.08
